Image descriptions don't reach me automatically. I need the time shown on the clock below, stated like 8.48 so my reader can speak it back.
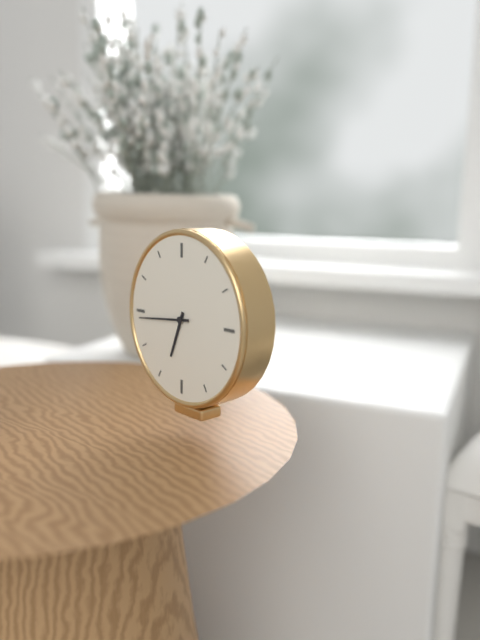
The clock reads 6.44
